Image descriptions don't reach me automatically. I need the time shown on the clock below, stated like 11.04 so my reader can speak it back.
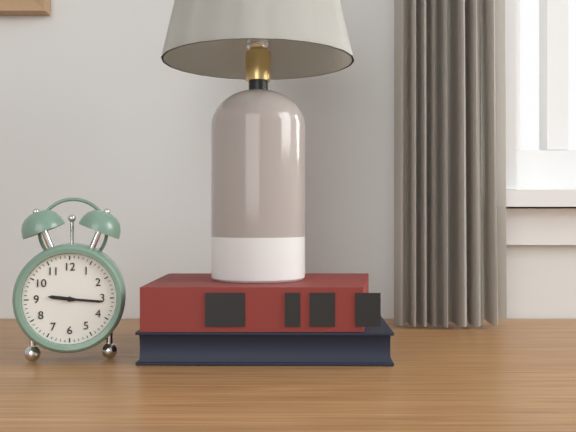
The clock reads 9.16
